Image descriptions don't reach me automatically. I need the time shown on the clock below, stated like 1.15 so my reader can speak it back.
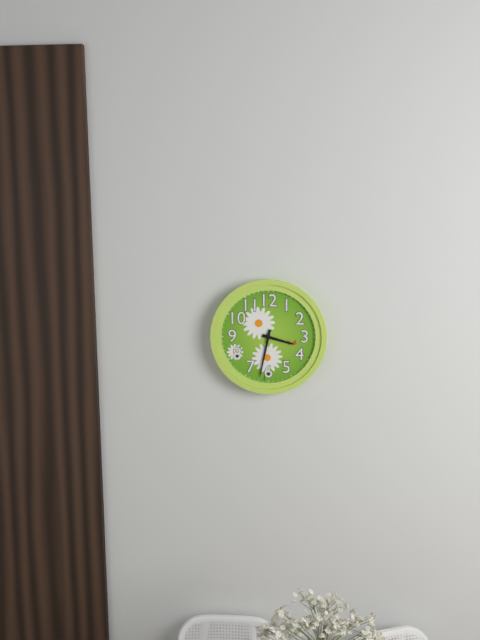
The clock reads 3.32
